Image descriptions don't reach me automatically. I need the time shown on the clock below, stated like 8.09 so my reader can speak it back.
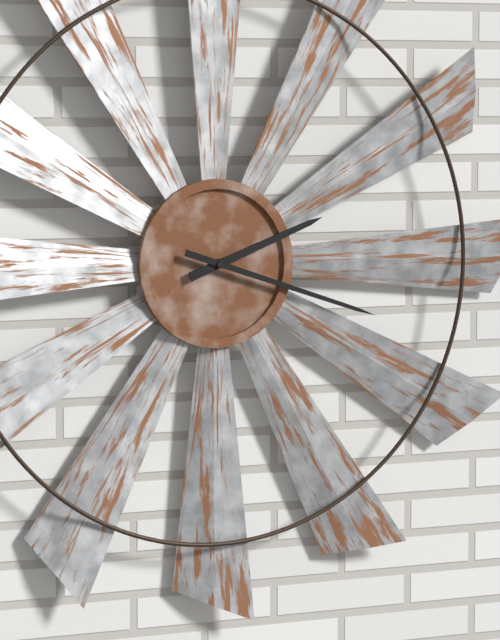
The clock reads 2.18
